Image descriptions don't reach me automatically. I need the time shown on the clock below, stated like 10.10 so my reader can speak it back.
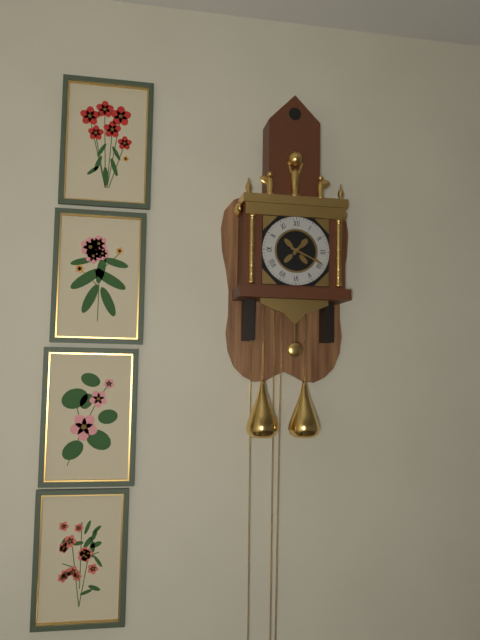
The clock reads 1.19
